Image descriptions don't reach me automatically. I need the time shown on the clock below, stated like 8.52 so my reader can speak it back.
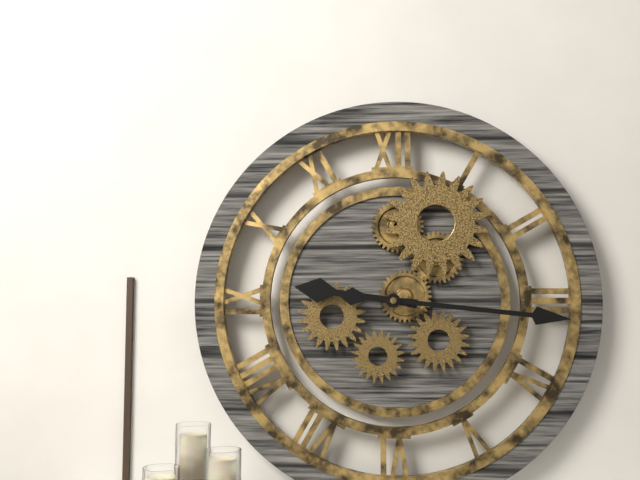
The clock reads 9.16
